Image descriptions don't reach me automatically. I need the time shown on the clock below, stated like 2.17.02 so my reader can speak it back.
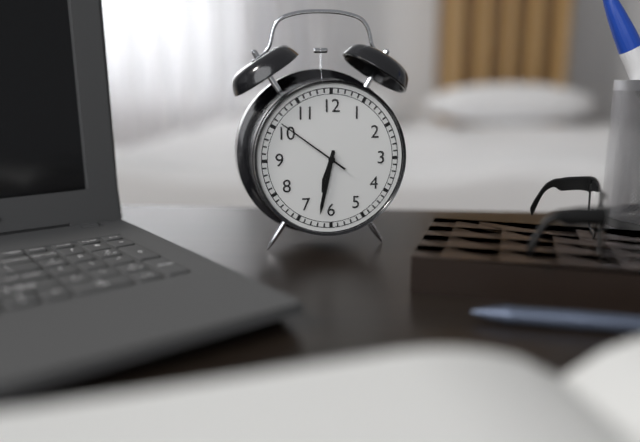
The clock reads 6.32.51
